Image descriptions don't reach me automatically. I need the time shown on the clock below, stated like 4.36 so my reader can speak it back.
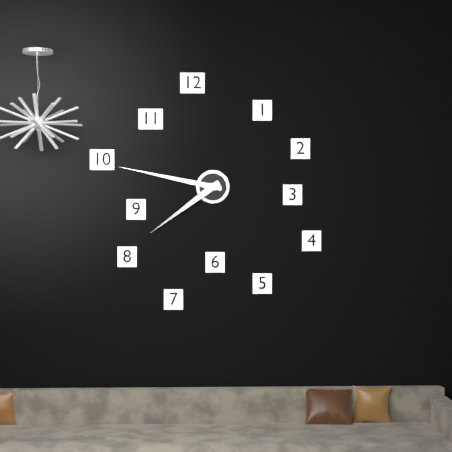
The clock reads 7.47
